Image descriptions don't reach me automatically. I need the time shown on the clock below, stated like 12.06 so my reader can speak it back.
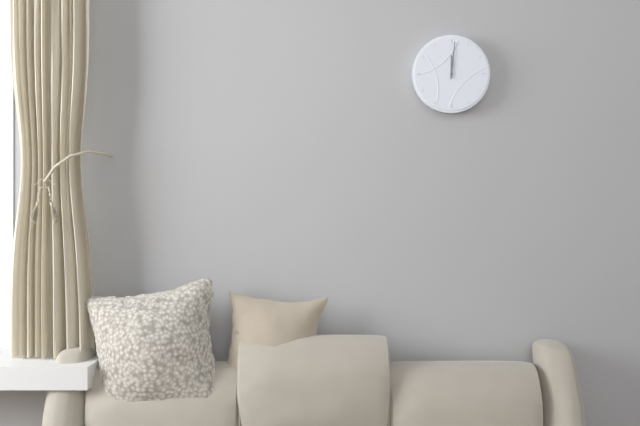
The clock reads 12.01
